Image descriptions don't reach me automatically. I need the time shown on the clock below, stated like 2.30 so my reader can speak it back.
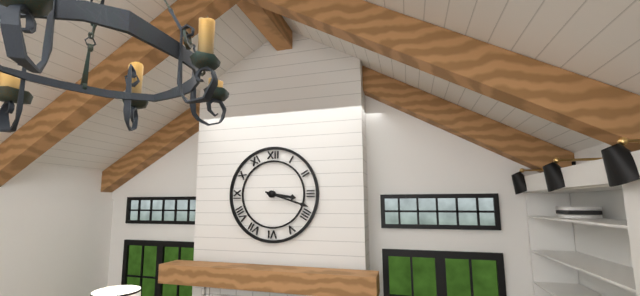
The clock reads 3.18
